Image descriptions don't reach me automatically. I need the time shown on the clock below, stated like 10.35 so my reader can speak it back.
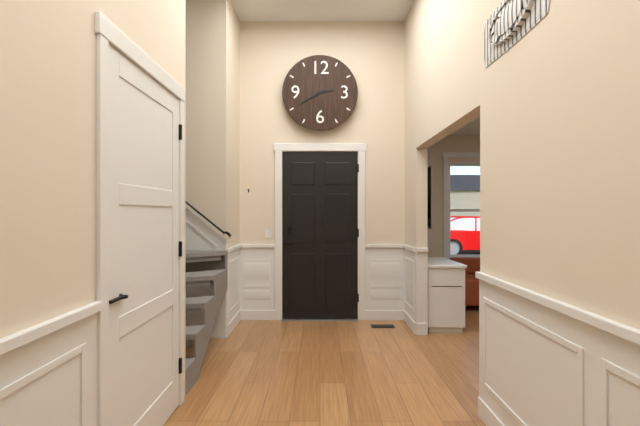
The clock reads 2.40
